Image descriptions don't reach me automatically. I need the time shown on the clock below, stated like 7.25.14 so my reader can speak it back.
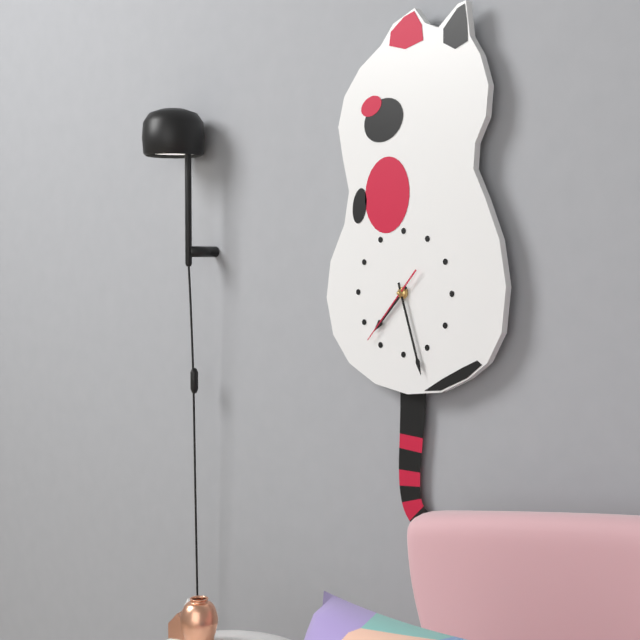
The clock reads 7.27.37
